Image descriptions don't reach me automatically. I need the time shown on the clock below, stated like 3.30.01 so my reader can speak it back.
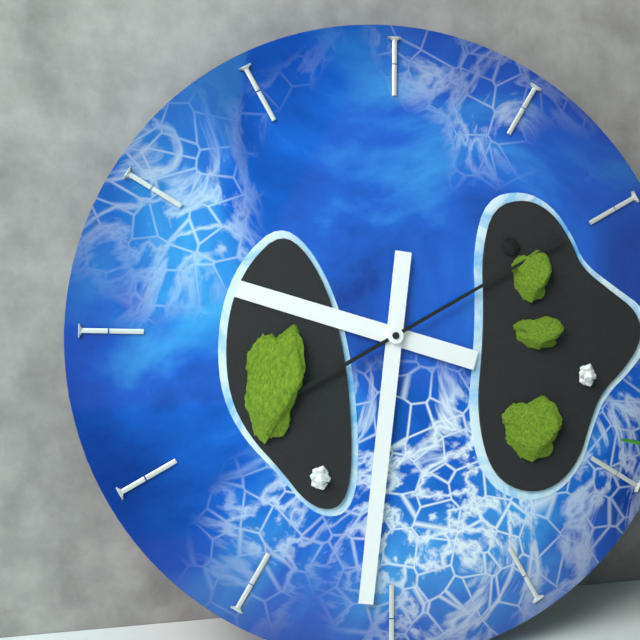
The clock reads 9.31.10
